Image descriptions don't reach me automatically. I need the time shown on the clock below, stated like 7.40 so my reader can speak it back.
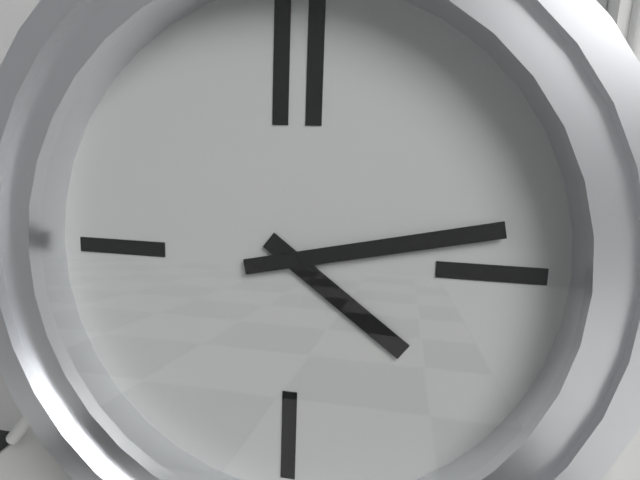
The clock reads 4.13
